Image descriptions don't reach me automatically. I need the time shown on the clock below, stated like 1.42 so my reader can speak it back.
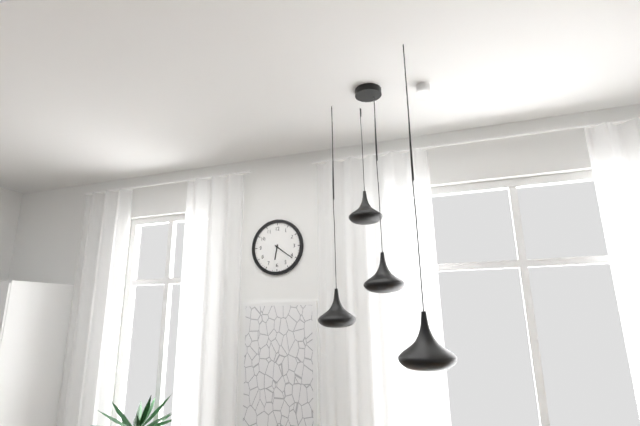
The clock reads 6.21
